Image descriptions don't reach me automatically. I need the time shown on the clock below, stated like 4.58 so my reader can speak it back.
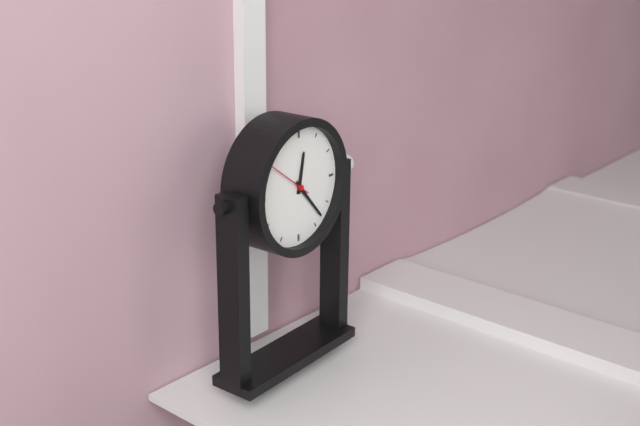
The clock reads 12.23
